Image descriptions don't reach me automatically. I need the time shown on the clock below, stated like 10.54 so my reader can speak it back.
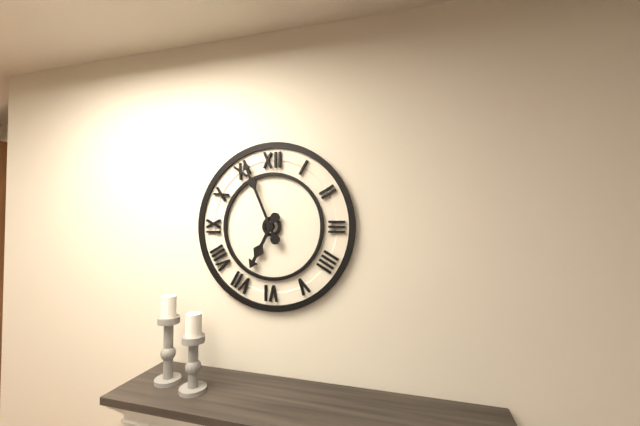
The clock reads 6.56
